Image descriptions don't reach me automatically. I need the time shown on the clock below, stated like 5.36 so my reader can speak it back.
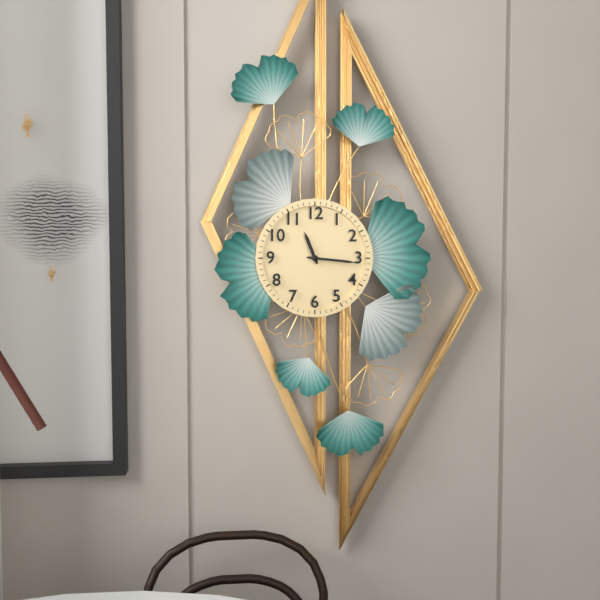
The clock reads 11.16
